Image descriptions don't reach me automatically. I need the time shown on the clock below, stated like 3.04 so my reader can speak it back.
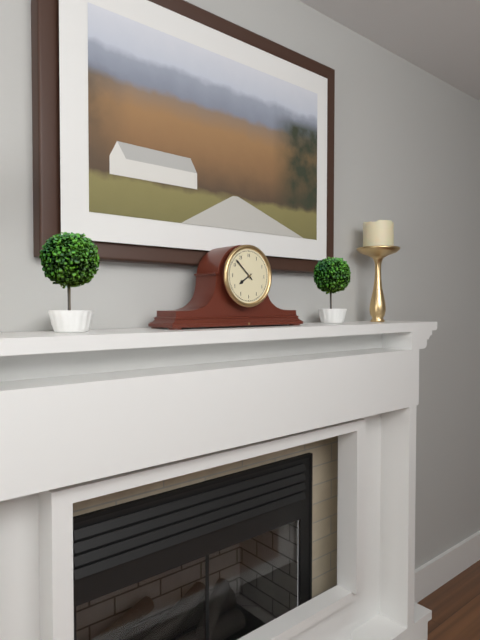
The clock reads 7.52
